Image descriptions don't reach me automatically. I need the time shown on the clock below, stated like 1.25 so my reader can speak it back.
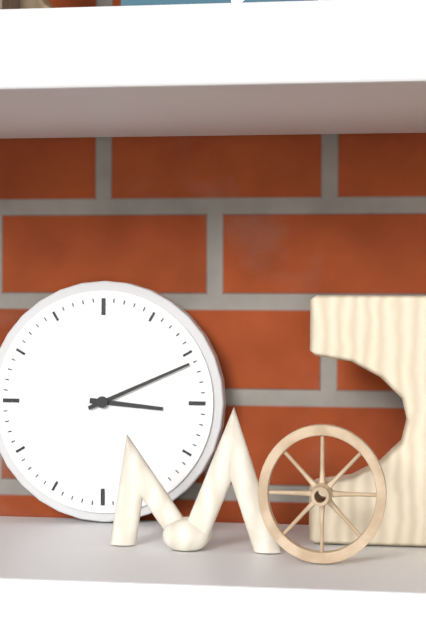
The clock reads 3.11
